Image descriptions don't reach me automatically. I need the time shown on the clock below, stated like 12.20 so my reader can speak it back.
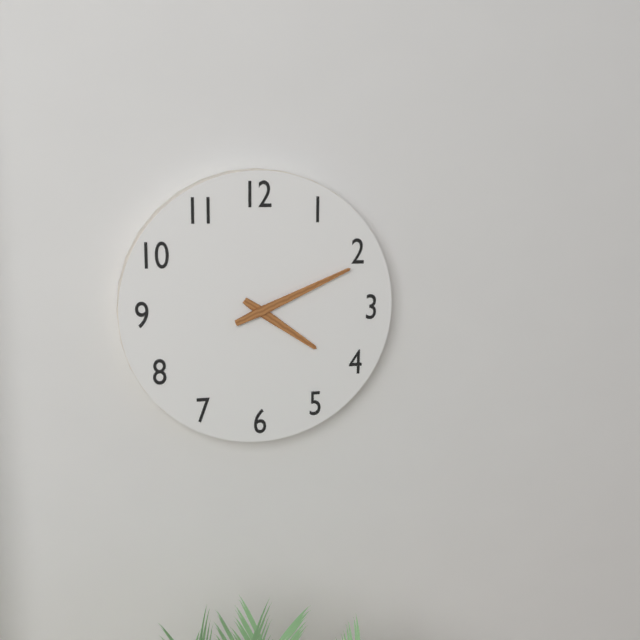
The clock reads 4.11
